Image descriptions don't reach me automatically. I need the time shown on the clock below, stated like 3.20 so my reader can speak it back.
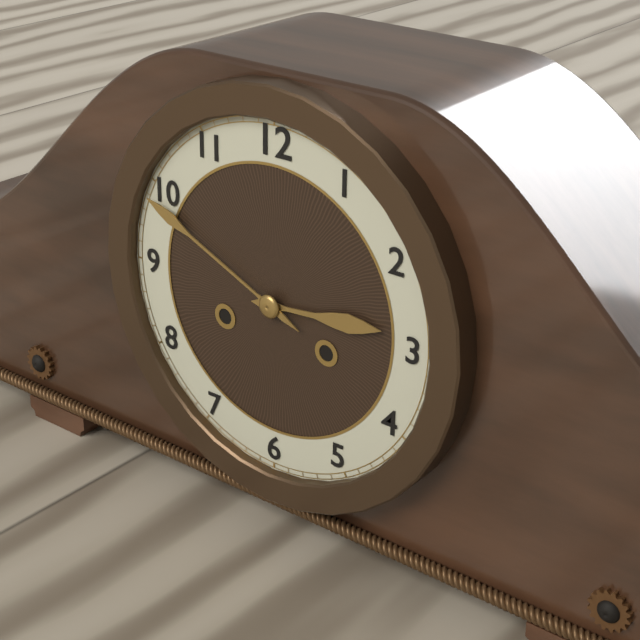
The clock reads 2.49
